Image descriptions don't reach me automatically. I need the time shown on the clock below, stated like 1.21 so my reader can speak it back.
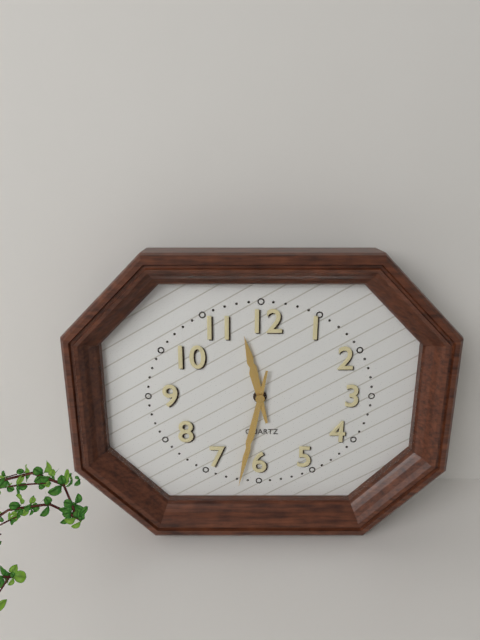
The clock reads 11.32
